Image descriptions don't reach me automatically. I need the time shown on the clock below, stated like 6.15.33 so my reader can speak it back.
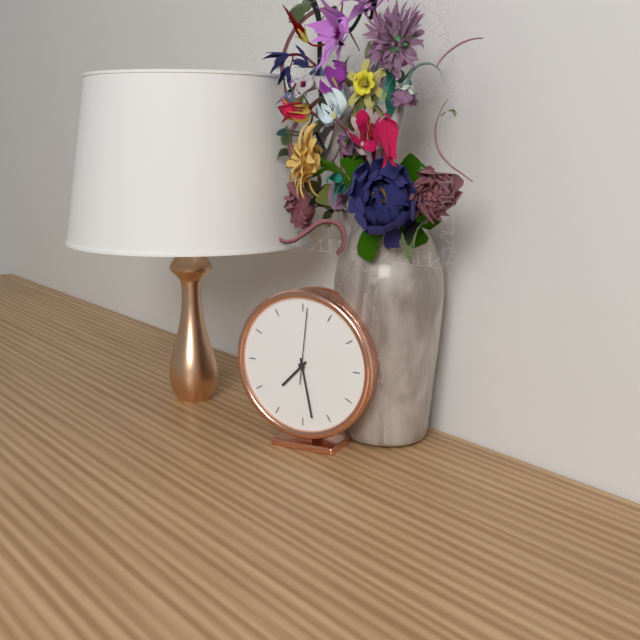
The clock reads 7.28.01
